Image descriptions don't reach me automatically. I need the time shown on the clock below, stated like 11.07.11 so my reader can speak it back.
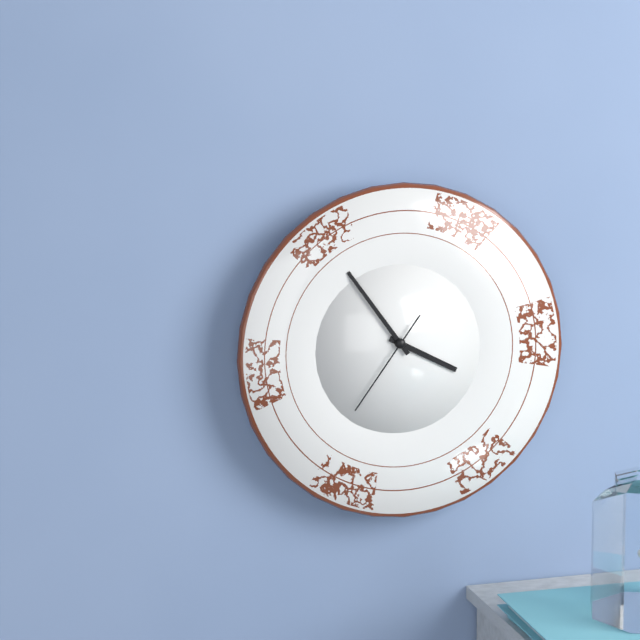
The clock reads 3.54.36
